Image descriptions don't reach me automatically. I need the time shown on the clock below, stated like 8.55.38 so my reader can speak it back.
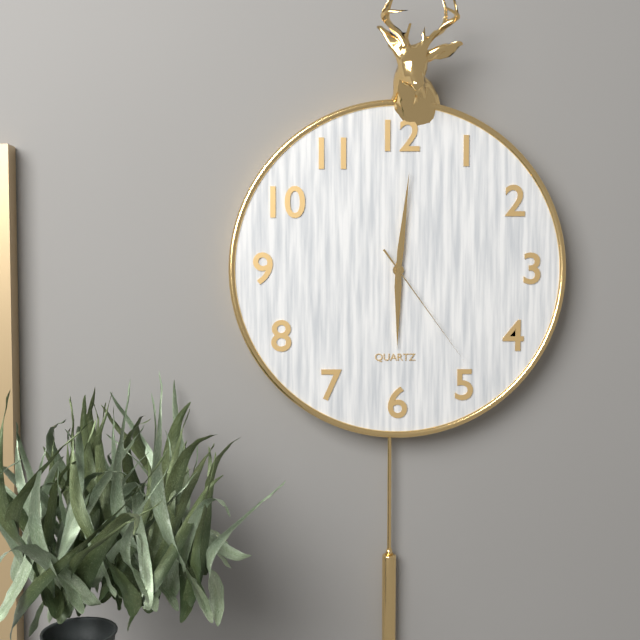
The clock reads 6.01.24
